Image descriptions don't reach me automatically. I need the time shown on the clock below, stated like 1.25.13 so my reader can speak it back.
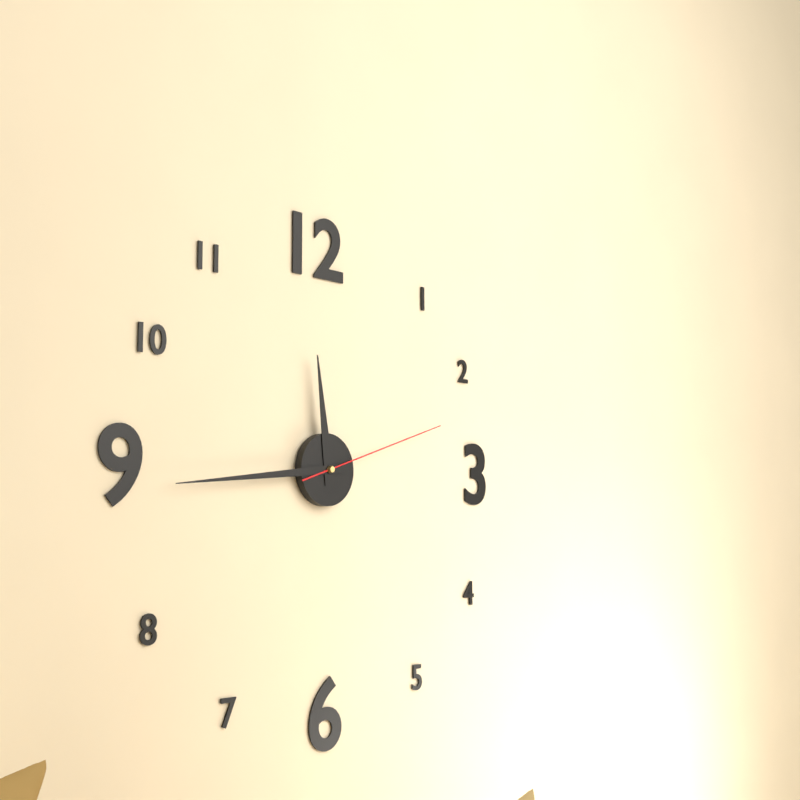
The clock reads 11.44.12
